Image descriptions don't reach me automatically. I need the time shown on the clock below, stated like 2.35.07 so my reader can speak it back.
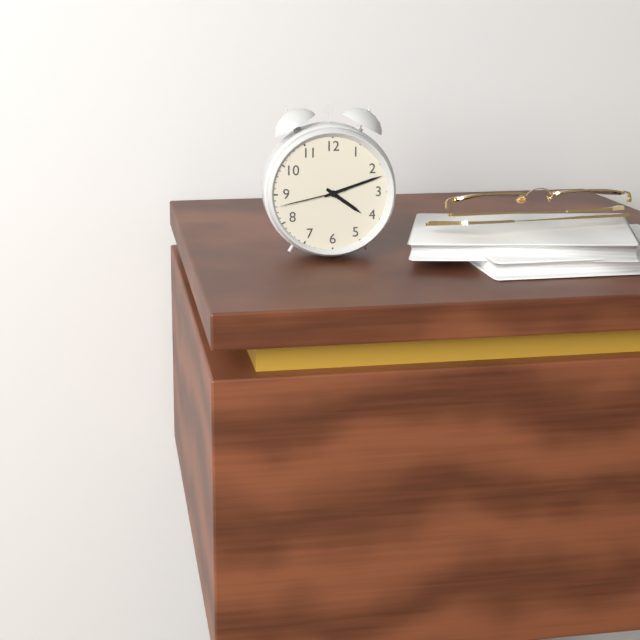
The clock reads 4.12.43
